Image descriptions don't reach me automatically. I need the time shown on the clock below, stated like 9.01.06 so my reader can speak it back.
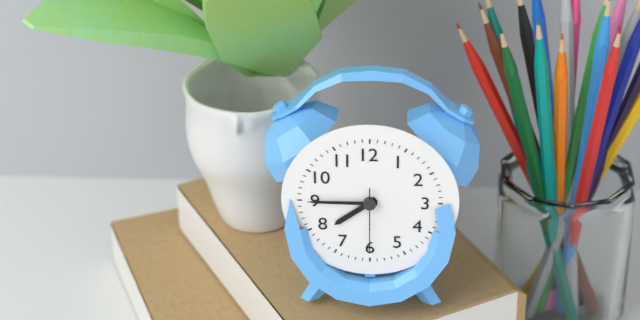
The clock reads 7.45.30
